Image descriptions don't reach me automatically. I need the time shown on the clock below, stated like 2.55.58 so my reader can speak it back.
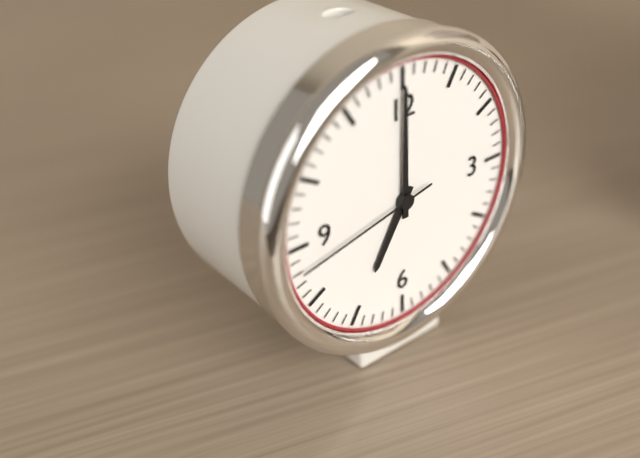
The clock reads 7.00.43
